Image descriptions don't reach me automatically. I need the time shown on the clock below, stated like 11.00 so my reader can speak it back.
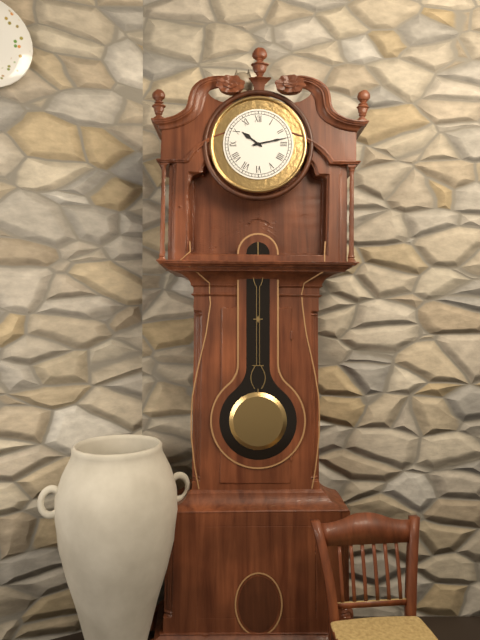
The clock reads 10.13
